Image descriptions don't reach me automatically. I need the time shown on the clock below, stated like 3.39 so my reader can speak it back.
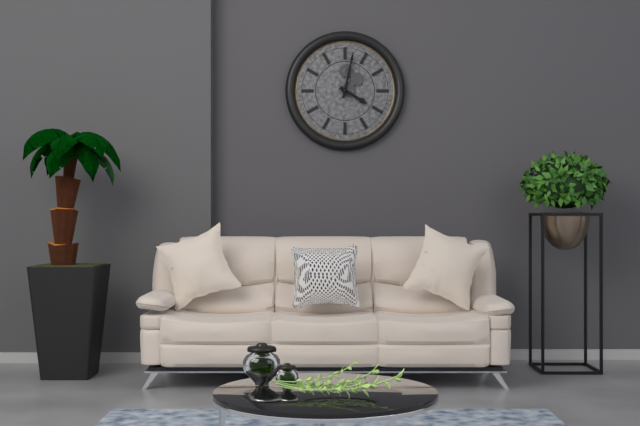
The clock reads 4.02
